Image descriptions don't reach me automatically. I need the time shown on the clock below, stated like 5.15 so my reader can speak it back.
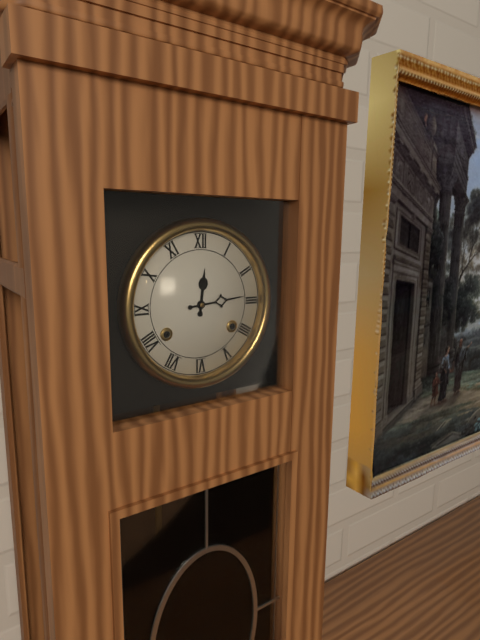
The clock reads 12.14
